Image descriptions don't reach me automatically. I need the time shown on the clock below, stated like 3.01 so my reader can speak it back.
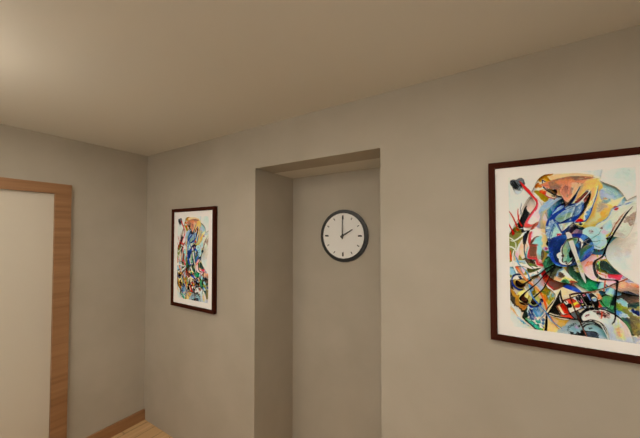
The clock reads 2.00
